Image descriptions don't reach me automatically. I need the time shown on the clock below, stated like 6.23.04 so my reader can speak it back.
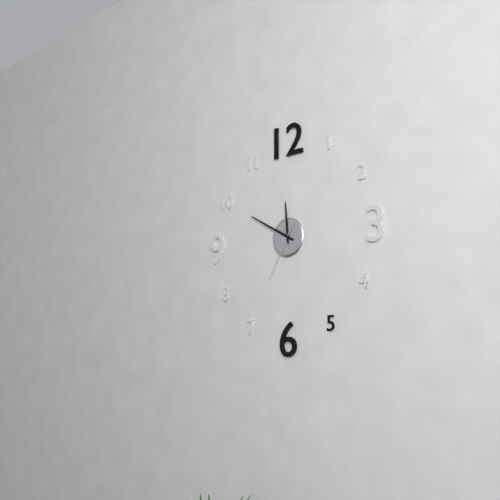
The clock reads 11.50.35
